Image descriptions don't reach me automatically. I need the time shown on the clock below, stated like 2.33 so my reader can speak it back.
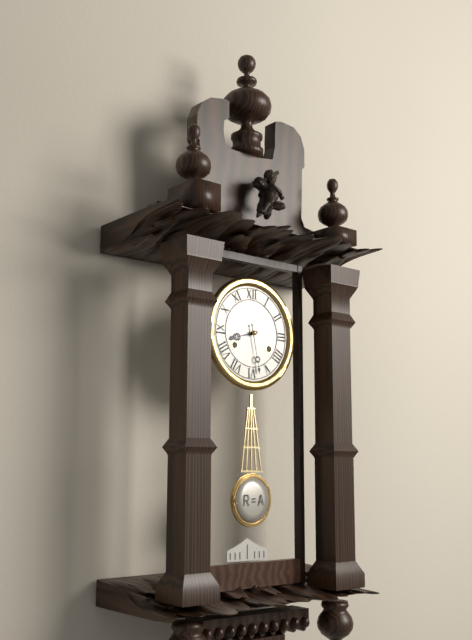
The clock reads 8.28
